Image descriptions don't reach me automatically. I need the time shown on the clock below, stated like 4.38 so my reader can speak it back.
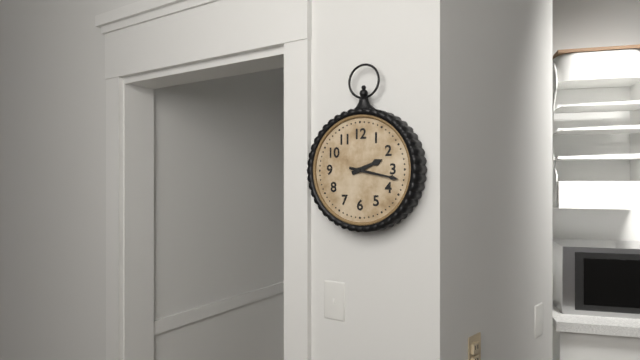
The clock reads 2.17
